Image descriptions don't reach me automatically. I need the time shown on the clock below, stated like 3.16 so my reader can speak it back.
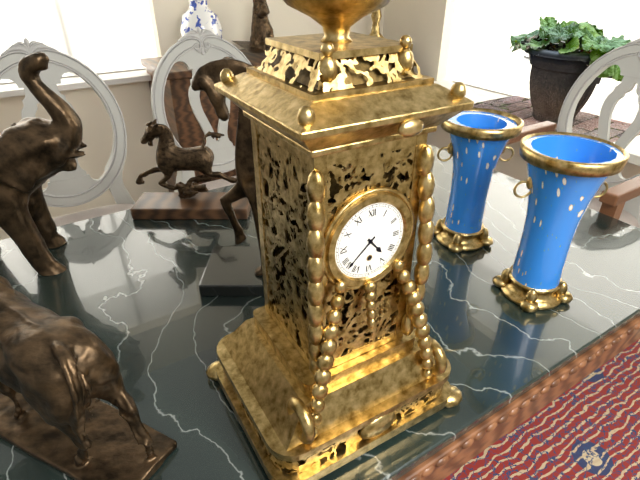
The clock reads 4.38
